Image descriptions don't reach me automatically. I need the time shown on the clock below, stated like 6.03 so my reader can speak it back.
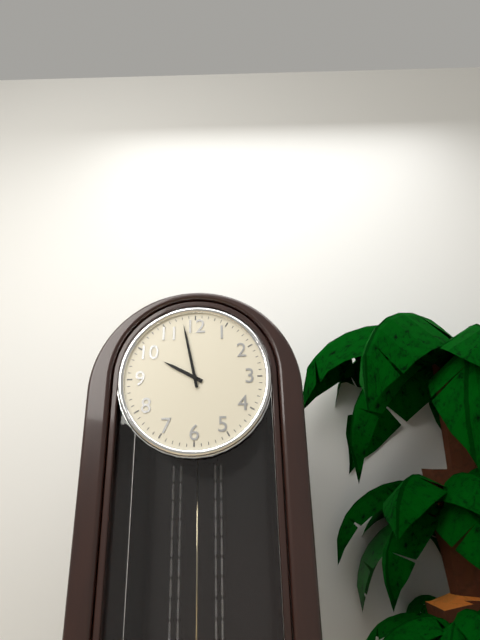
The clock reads 9.58
